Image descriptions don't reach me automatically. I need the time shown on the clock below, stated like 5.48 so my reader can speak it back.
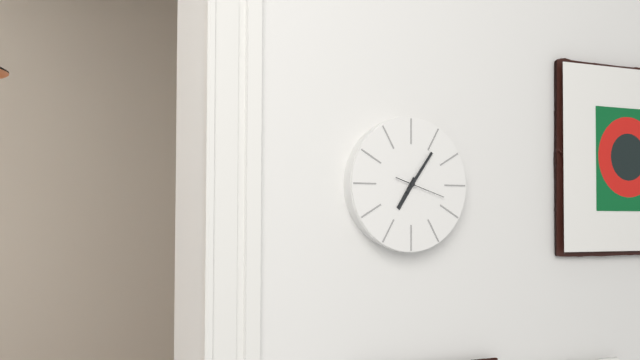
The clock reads 7.06
